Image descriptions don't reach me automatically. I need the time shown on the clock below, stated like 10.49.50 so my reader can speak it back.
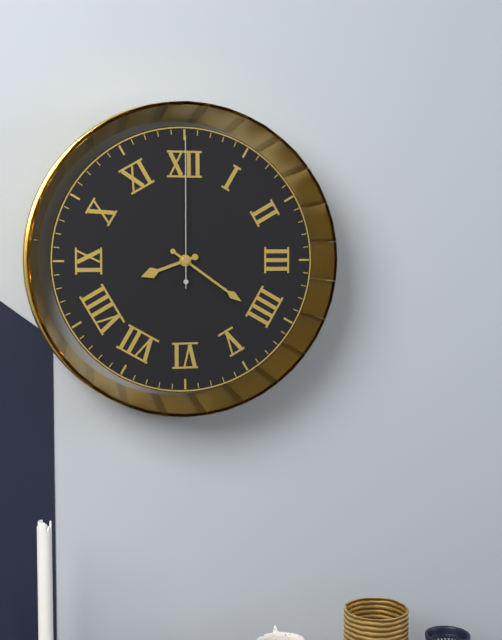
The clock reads 8.21.00
